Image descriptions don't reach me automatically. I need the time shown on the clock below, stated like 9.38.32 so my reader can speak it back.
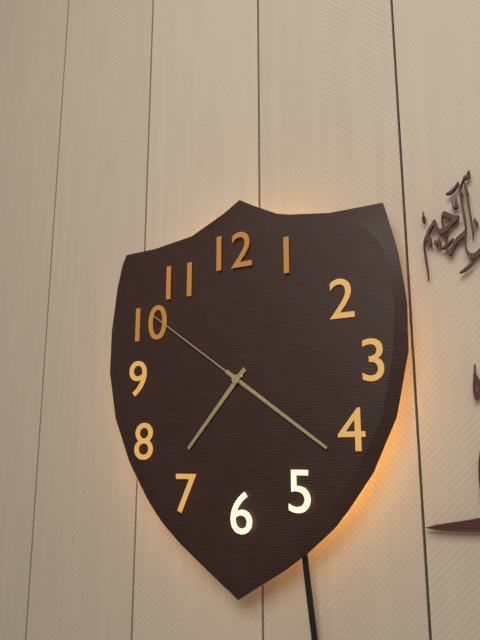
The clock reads 7.21.51
